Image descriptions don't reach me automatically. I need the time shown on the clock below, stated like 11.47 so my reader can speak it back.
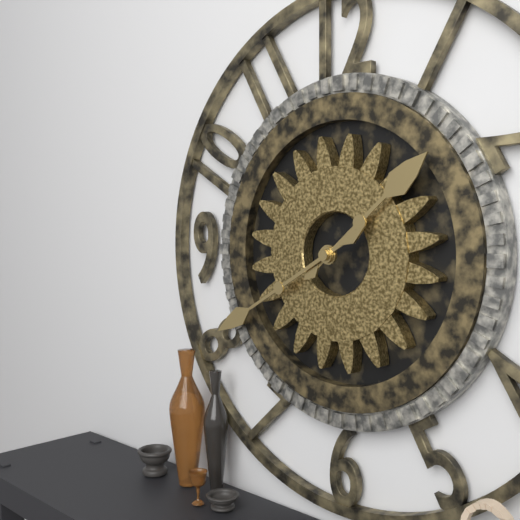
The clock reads 1.40
